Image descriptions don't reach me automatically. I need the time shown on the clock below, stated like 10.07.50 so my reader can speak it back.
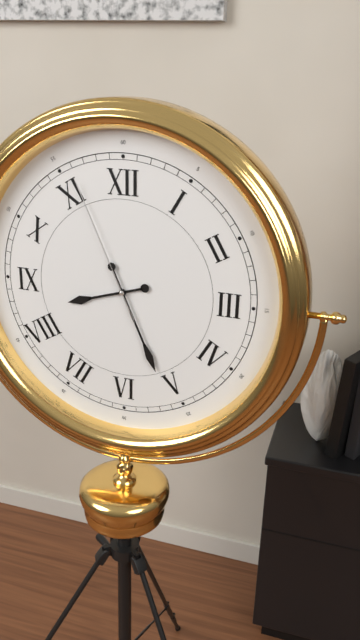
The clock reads 8.26.56
